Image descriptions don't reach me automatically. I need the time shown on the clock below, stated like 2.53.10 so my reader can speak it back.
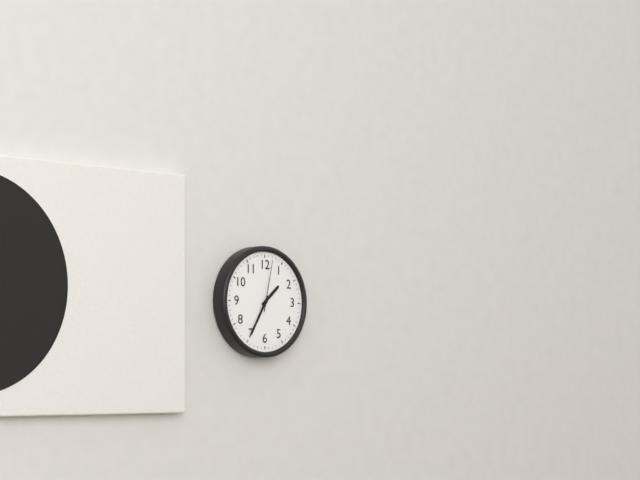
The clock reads 1.35.02
